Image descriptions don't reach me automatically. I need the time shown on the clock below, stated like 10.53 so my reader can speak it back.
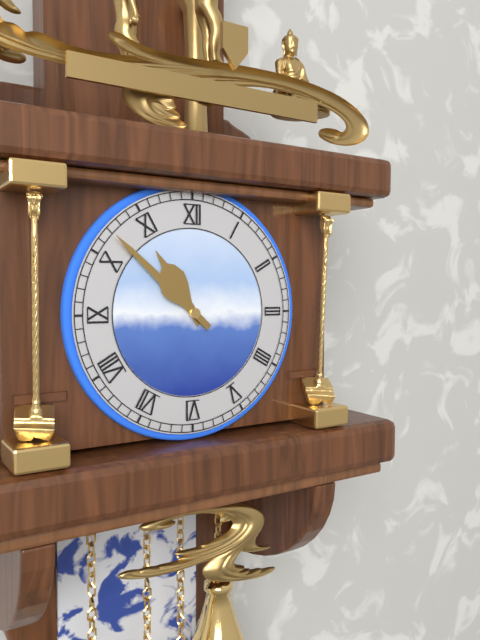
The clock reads 10.52
